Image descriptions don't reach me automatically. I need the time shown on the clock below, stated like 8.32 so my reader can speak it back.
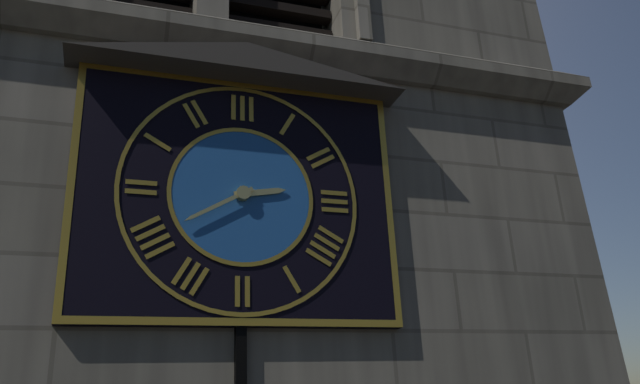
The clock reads 2.40
